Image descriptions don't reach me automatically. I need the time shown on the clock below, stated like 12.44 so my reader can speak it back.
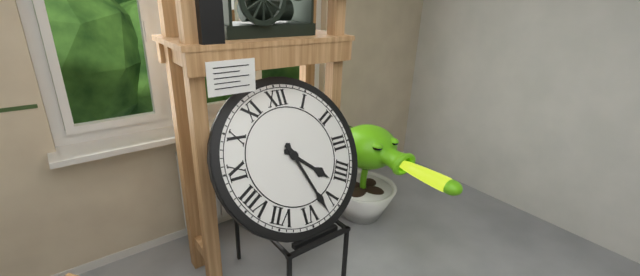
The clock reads 4.27
